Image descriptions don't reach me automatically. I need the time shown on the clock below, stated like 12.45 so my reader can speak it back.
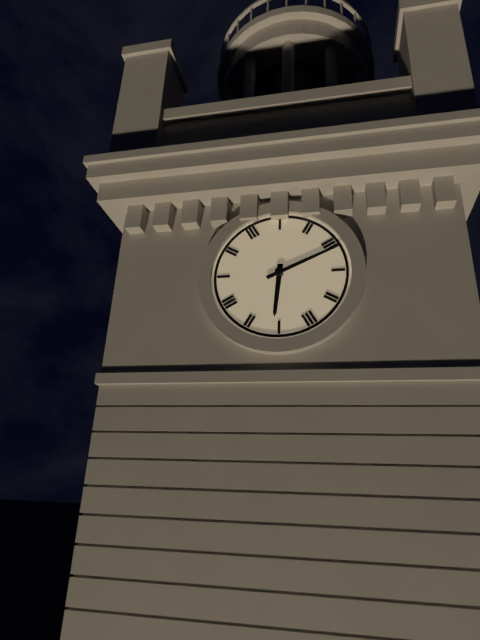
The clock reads 6.11
